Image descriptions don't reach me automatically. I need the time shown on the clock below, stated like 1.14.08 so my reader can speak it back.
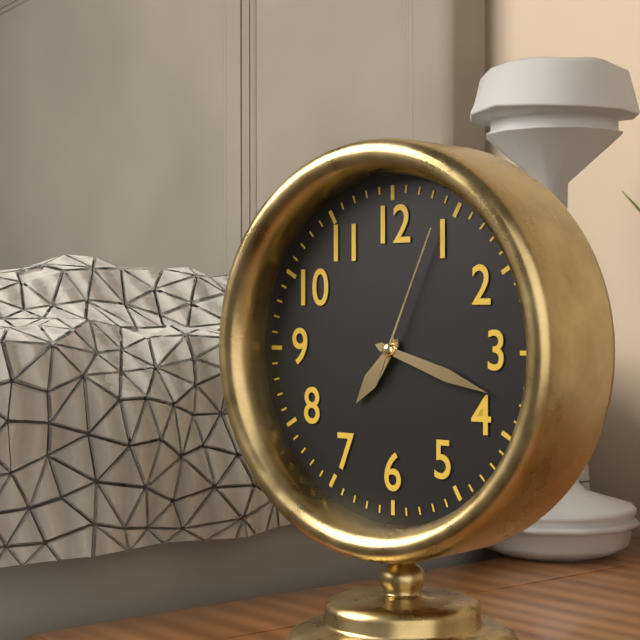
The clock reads 7.18.04
